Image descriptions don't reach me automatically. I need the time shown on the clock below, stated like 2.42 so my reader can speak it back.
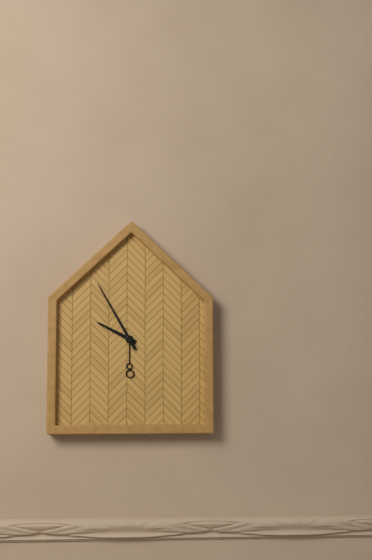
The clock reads 9.55
